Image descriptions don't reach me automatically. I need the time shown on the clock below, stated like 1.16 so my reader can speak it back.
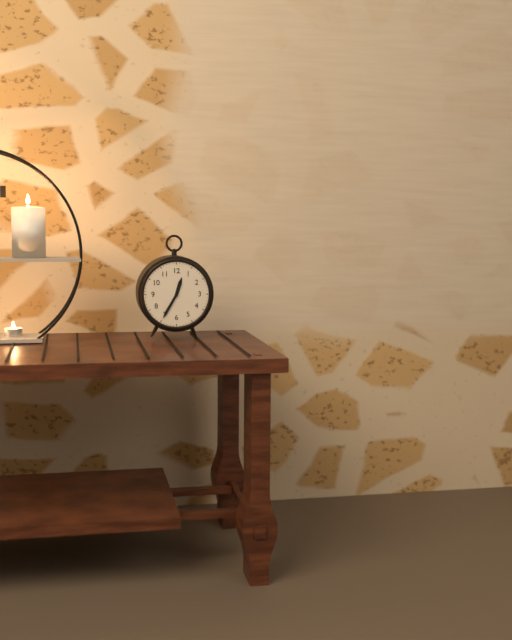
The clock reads 12.35
